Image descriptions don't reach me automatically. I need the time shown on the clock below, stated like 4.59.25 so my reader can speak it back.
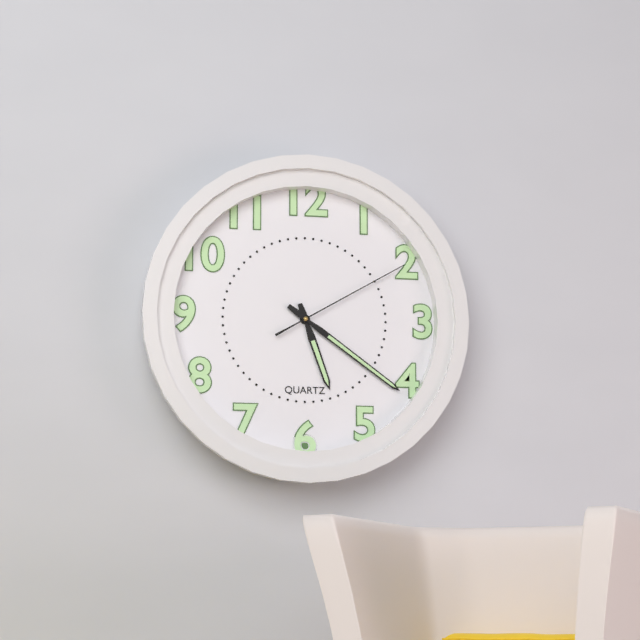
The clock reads 5.21.10
